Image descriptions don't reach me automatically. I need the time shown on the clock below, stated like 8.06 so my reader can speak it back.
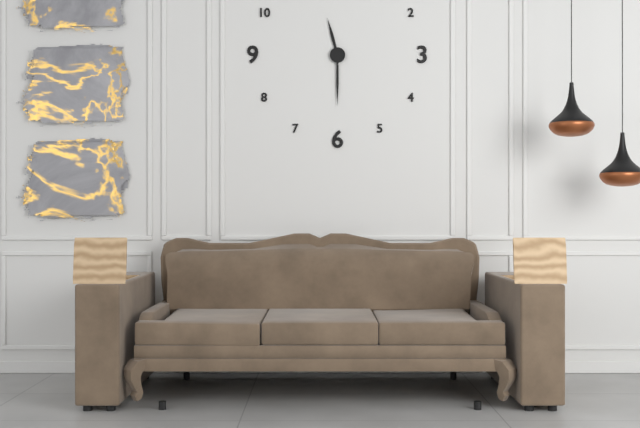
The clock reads 11.30
